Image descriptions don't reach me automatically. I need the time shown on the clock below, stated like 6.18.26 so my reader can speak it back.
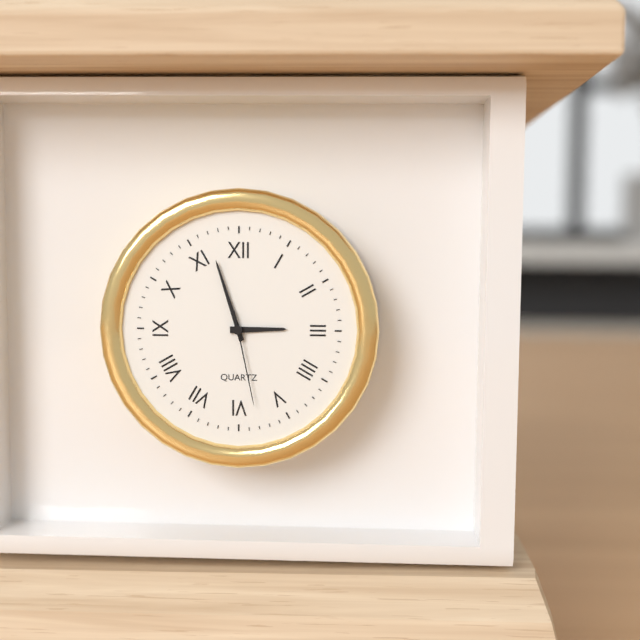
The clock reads 2.57.28
